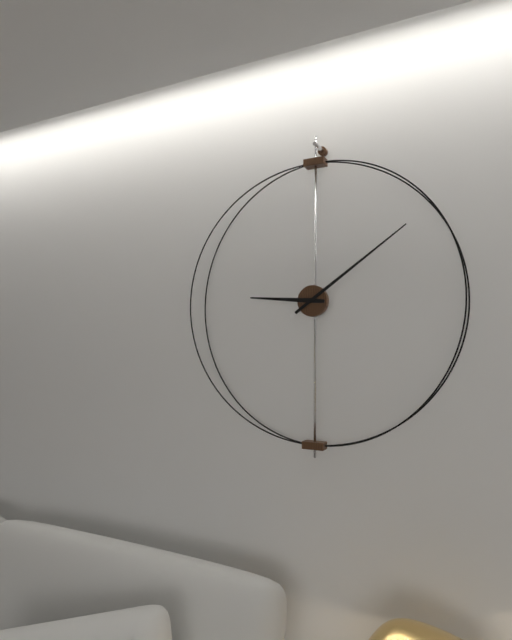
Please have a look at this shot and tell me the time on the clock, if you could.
9:09
